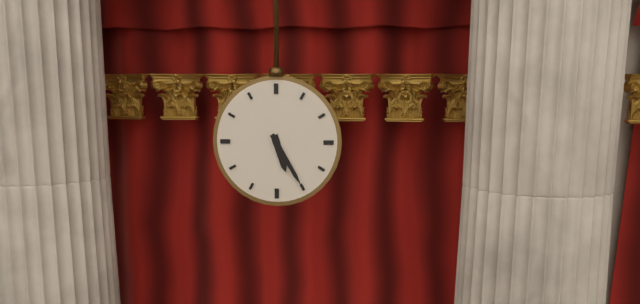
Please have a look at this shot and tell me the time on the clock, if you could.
5:25
